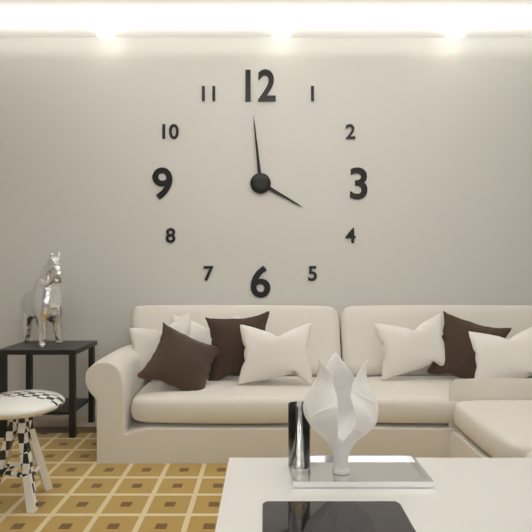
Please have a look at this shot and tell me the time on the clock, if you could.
3:59
